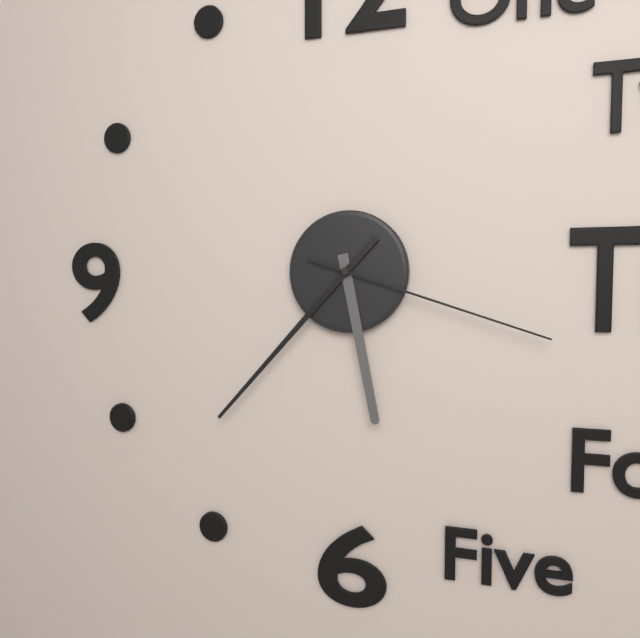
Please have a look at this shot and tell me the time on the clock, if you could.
5:37:18
